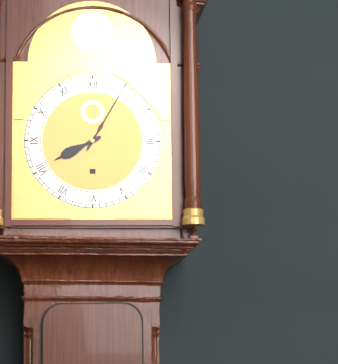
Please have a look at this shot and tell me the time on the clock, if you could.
8:05
